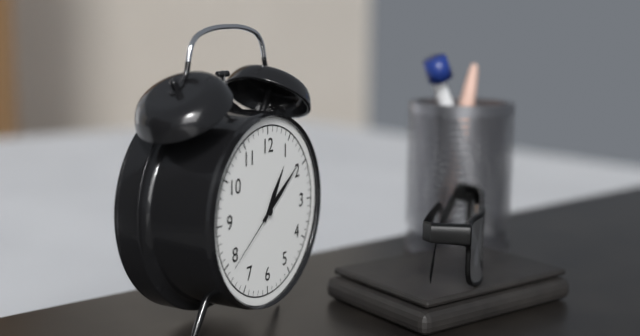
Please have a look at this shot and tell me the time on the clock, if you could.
1:09:39
